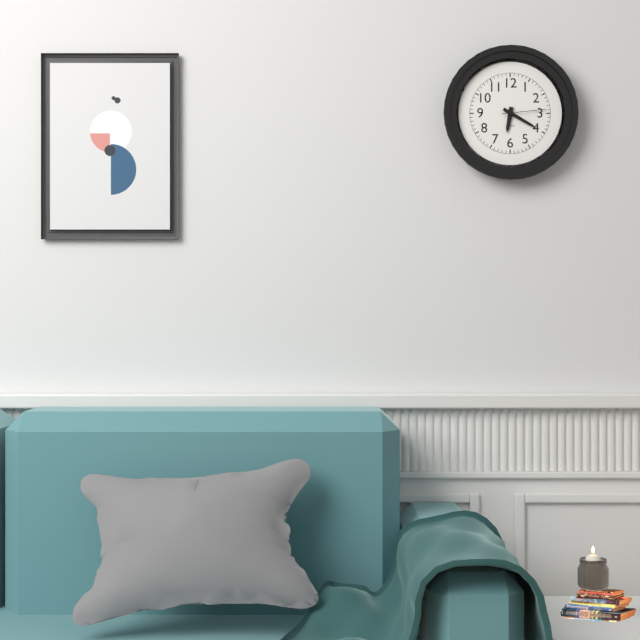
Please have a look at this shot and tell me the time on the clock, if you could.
6:20
